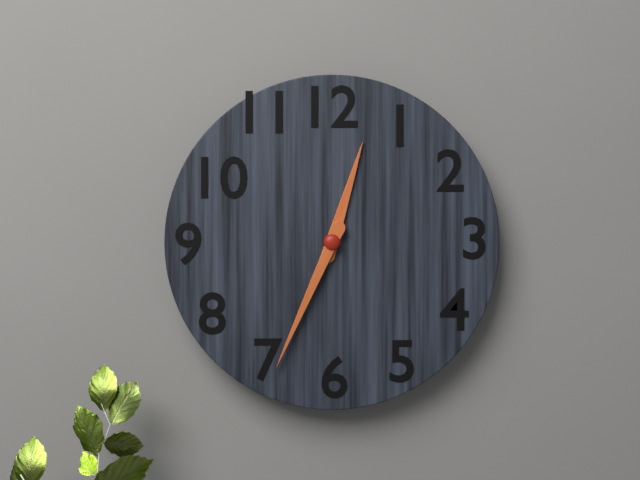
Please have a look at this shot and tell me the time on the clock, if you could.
12:34
